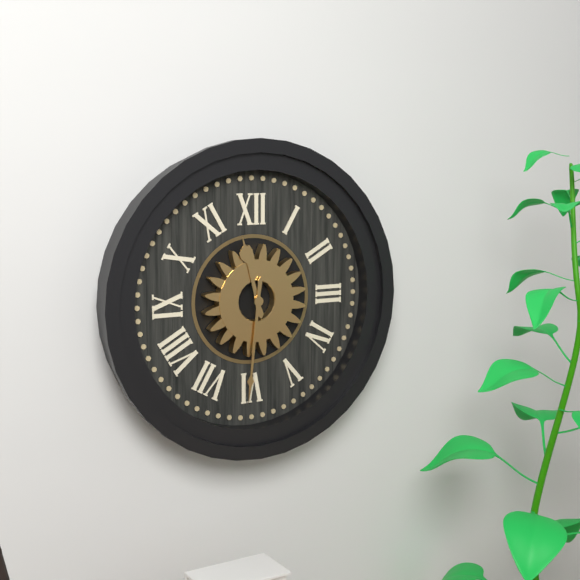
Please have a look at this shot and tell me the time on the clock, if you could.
11:31
